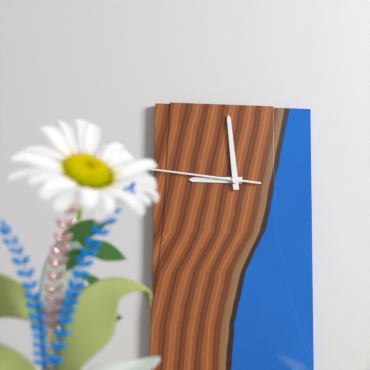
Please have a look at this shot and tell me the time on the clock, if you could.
8:59:46
